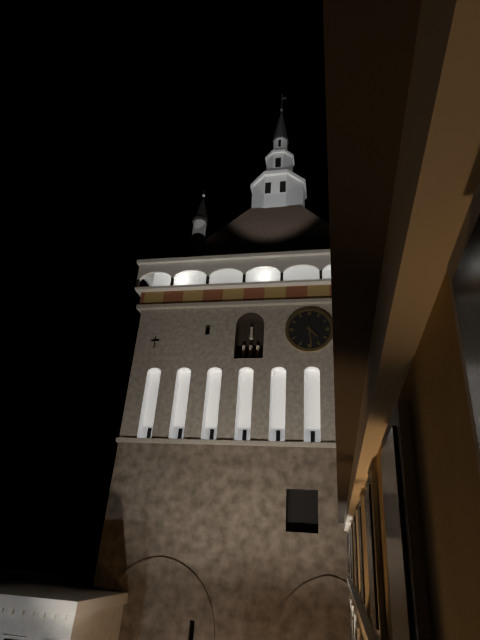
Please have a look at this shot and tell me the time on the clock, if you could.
4:29
